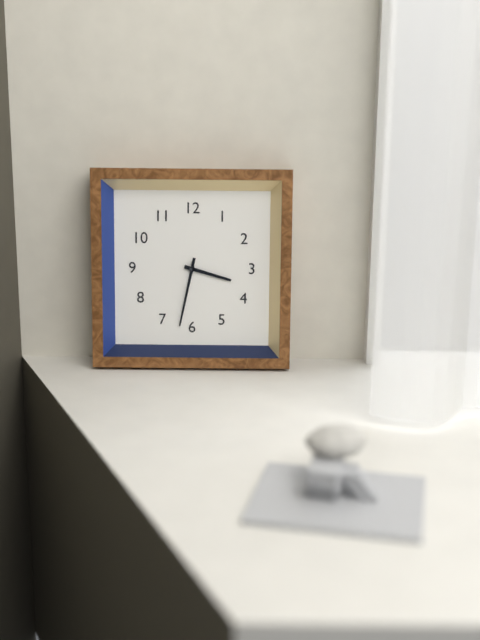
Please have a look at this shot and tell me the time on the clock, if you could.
3:32
